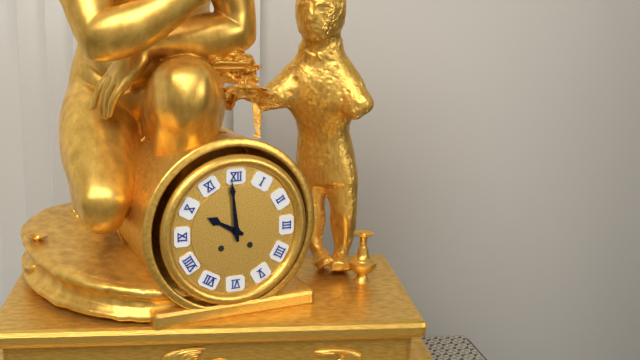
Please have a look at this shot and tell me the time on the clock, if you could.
9:59
